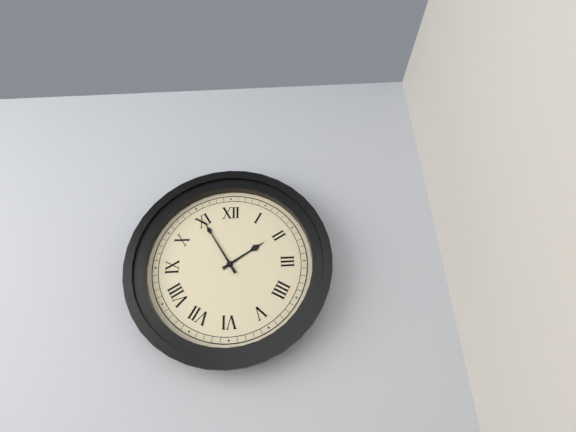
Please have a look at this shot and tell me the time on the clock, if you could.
1:55
